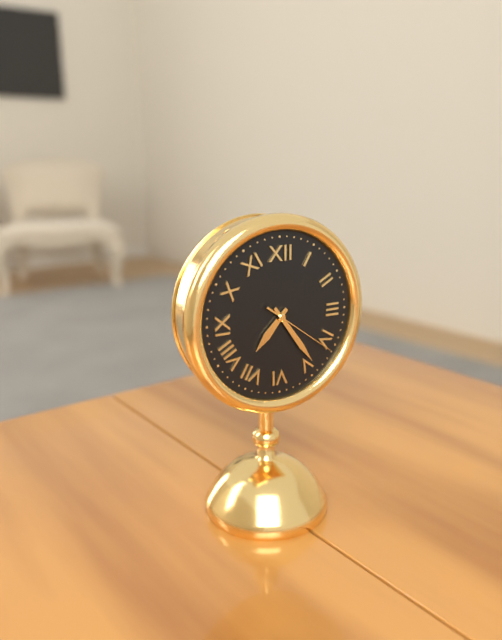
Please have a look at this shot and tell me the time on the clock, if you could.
7:24:21
